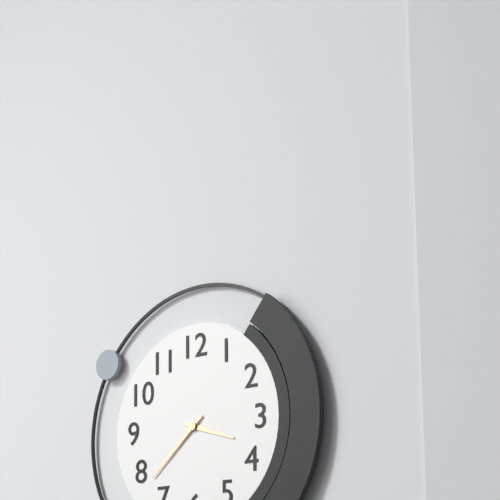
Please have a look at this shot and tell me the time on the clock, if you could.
3:38
